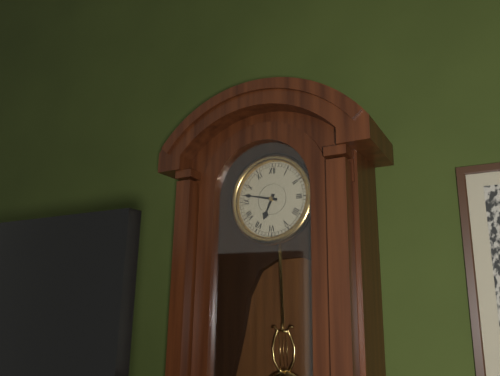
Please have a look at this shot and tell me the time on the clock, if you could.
6:47
